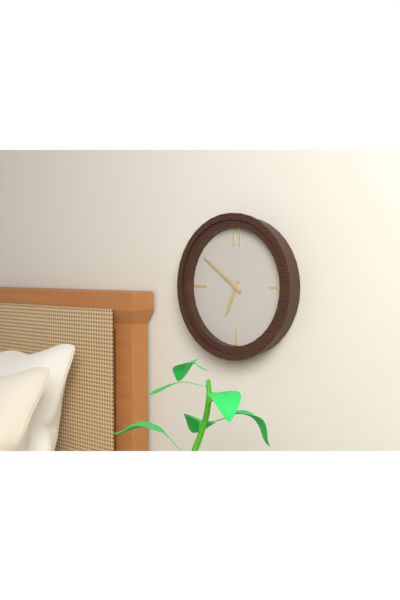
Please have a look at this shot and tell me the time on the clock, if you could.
6:51
